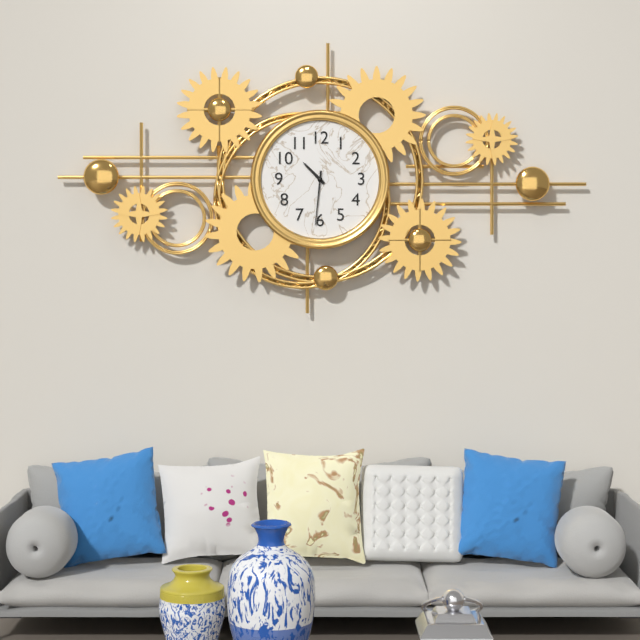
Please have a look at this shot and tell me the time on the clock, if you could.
10:31
